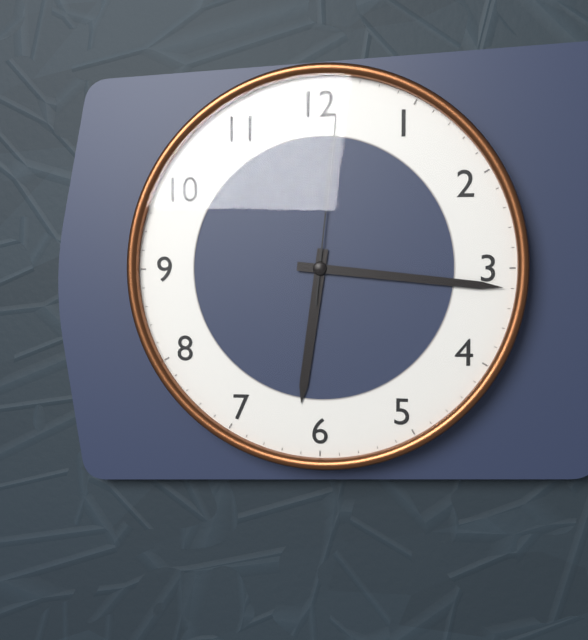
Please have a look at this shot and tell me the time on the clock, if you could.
6:16:01
